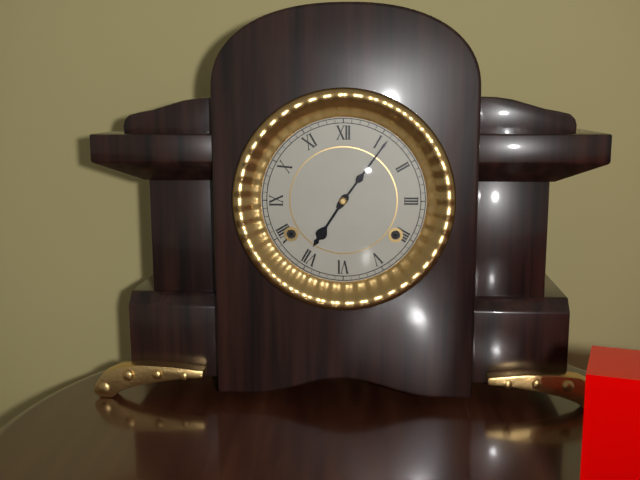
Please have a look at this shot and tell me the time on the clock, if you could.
7:06
